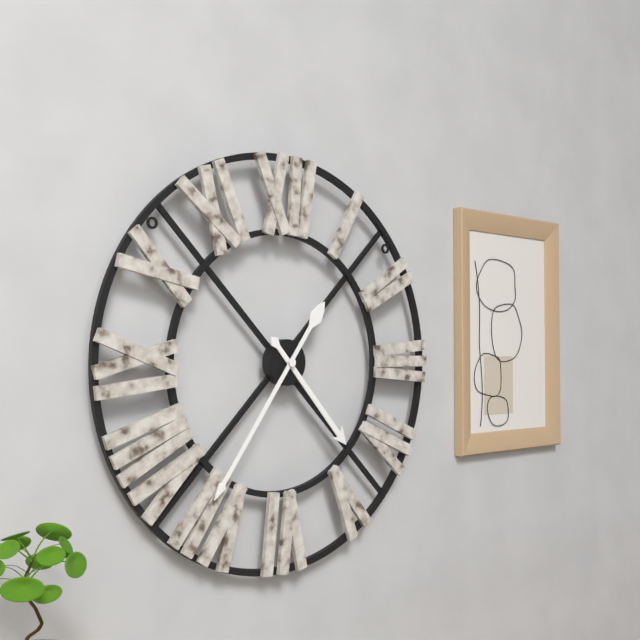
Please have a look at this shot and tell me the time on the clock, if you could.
4:36
